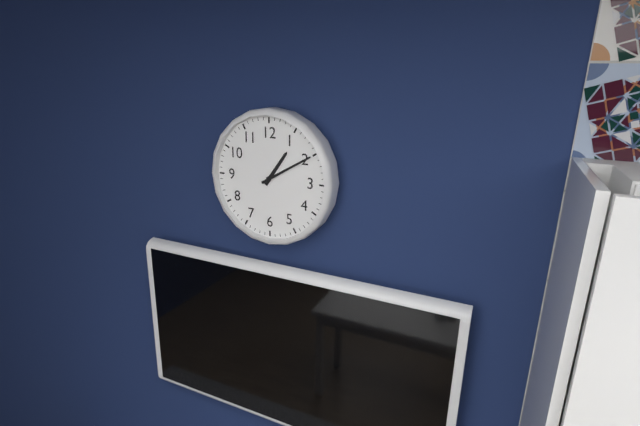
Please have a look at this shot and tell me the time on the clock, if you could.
1:10
